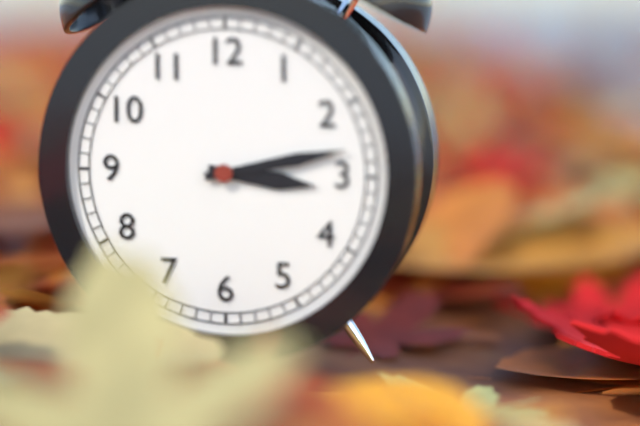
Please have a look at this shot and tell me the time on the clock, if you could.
3:13
